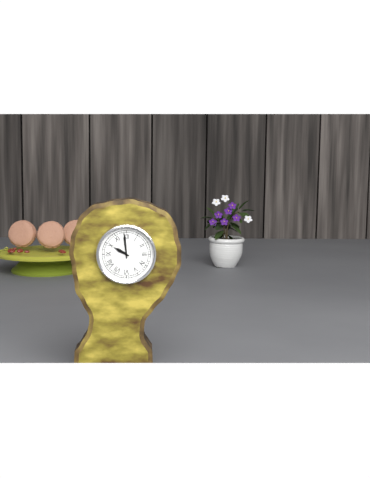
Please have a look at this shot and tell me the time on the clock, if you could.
9:59
